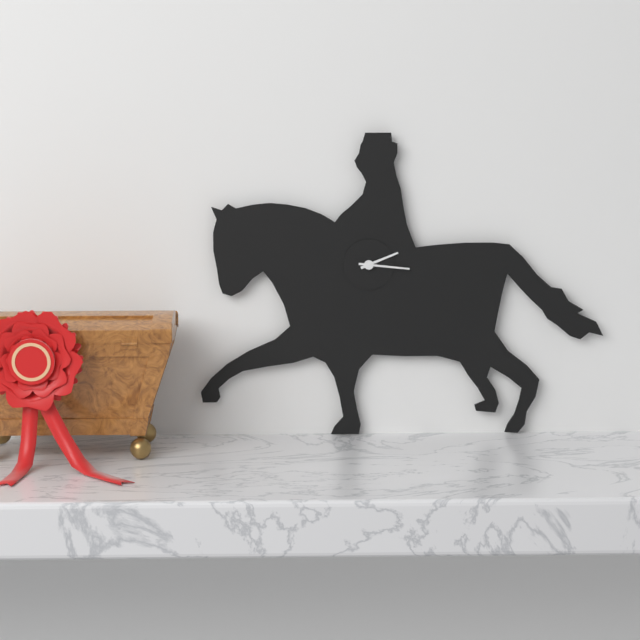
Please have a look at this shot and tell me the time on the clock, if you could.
2:16
